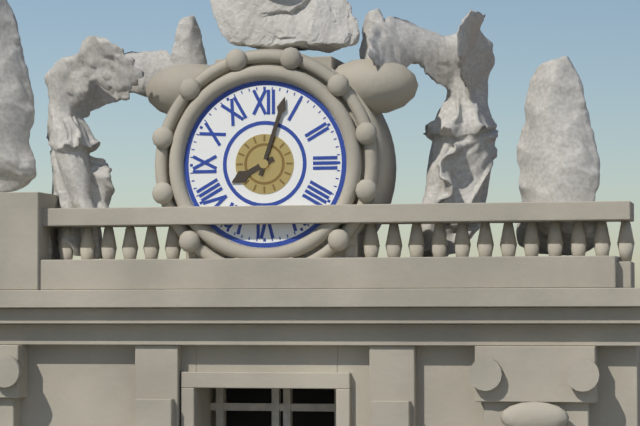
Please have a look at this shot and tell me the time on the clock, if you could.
8:03
